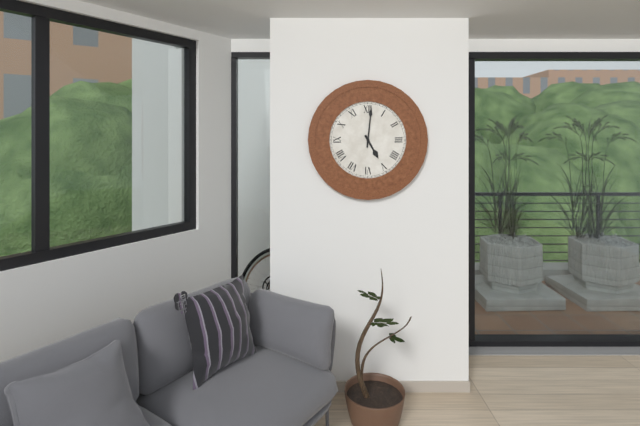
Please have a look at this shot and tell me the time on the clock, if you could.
5:01
